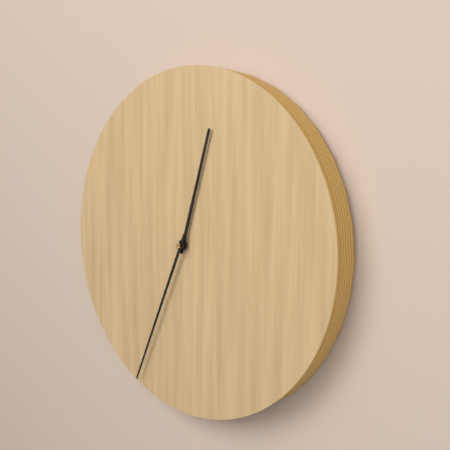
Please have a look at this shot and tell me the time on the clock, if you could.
12:34
